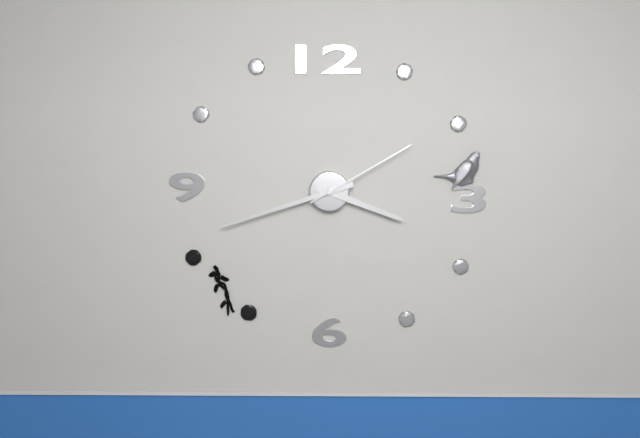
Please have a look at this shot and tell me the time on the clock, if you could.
3:42:10
